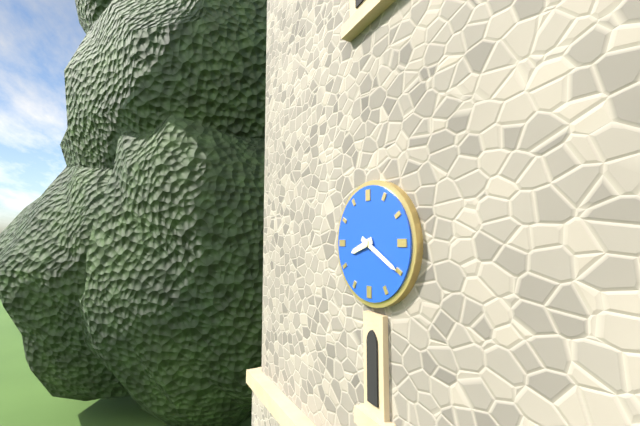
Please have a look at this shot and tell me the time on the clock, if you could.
8:20
